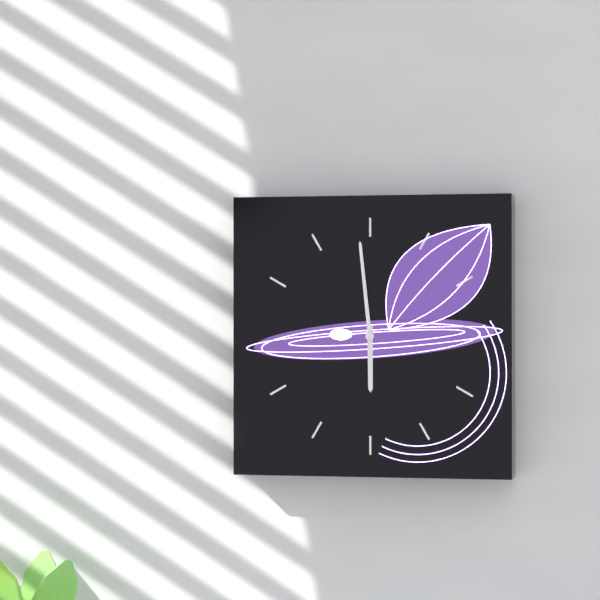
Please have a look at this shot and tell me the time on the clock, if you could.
5:59
